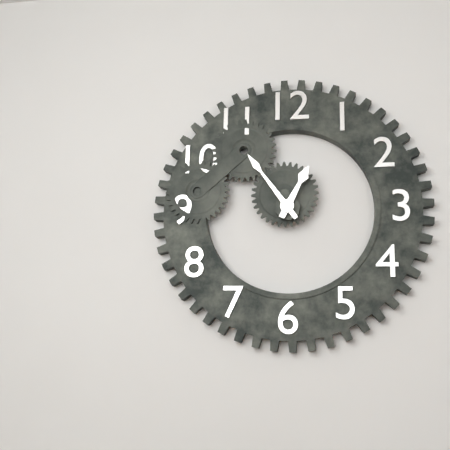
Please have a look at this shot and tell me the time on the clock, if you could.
12:54
